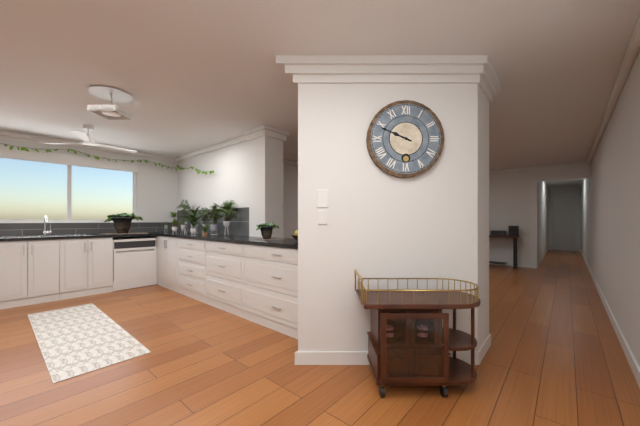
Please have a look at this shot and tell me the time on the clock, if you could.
9:49
